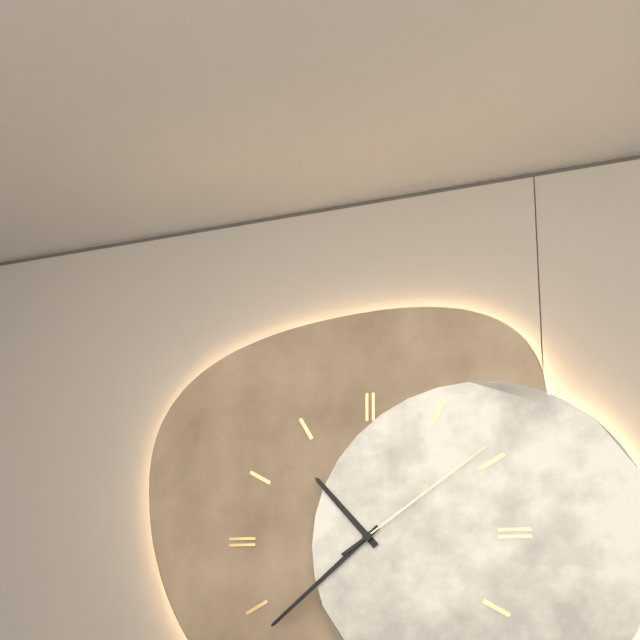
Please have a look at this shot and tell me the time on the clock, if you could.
10:38:09
